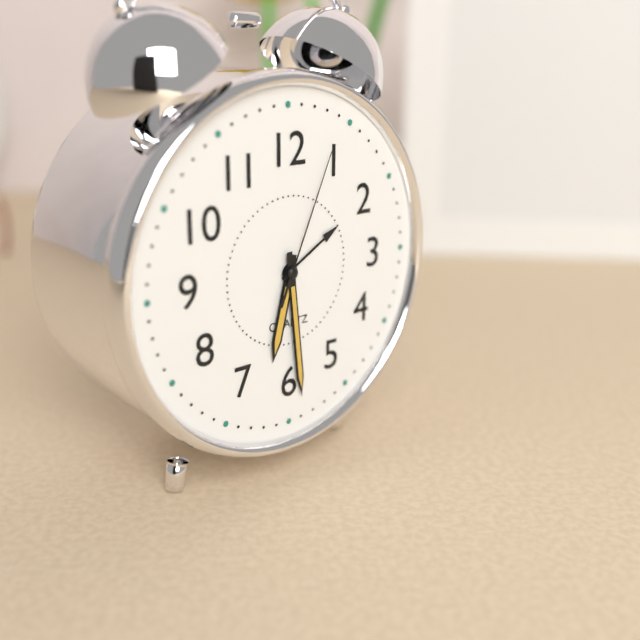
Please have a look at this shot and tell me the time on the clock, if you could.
6:29:04
